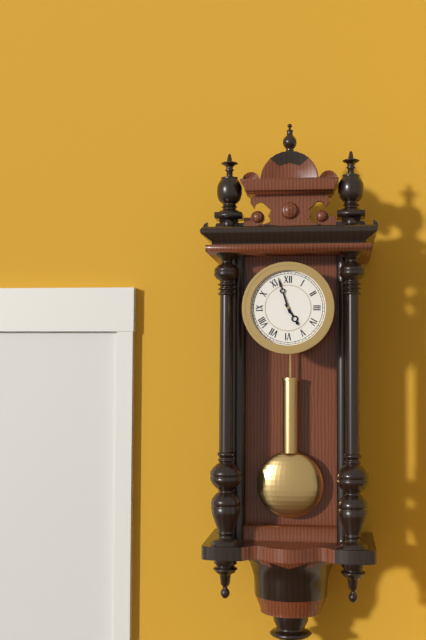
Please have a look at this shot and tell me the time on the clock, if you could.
4:57
